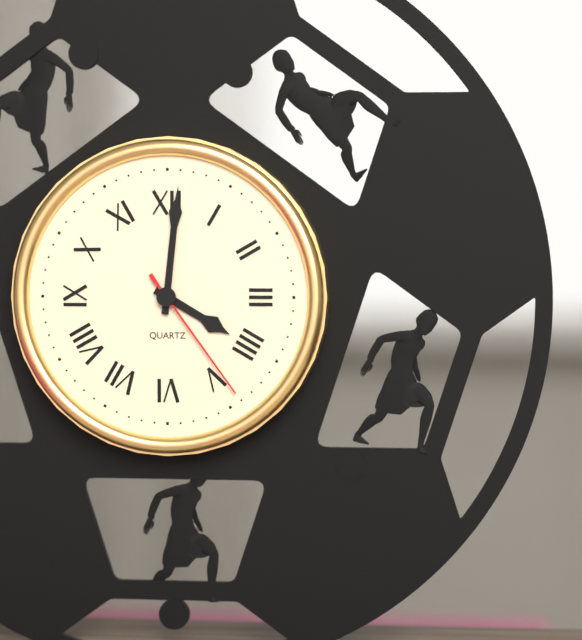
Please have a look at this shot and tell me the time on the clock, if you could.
4:01:24
